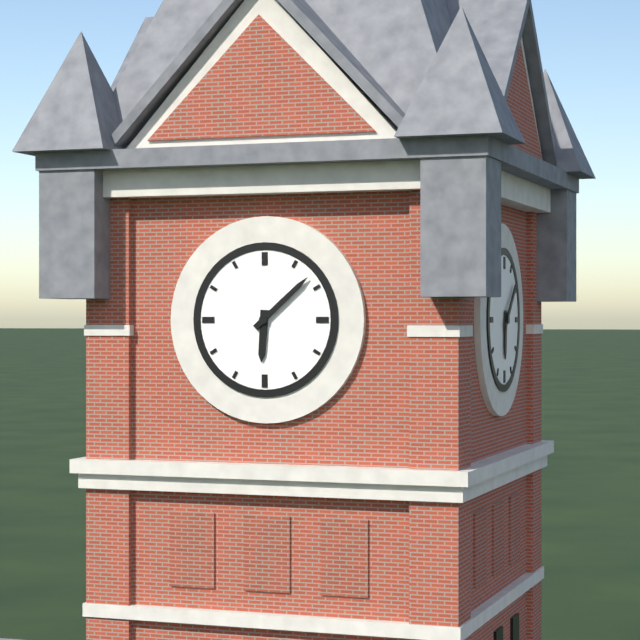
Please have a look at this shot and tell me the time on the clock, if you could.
6:08
